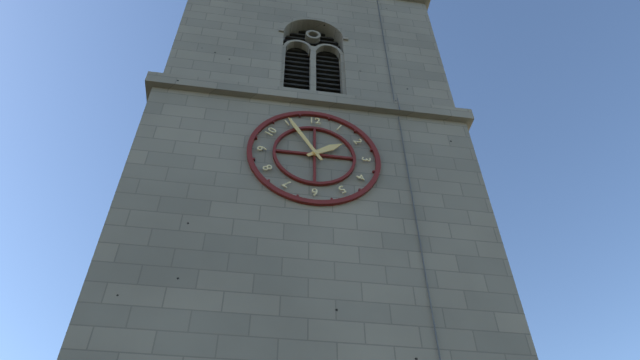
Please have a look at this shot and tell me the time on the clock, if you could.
1:55
